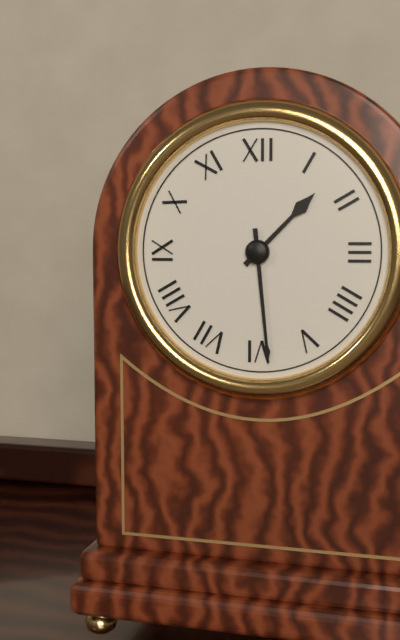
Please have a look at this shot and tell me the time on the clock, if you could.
1:29
